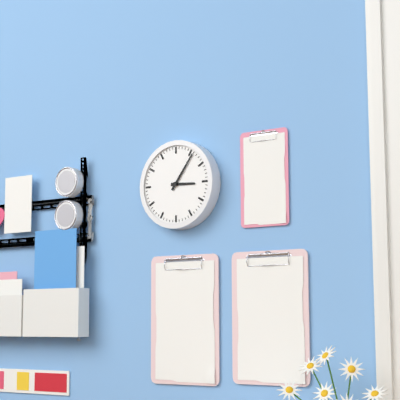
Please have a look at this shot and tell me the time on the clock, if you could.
3:06
